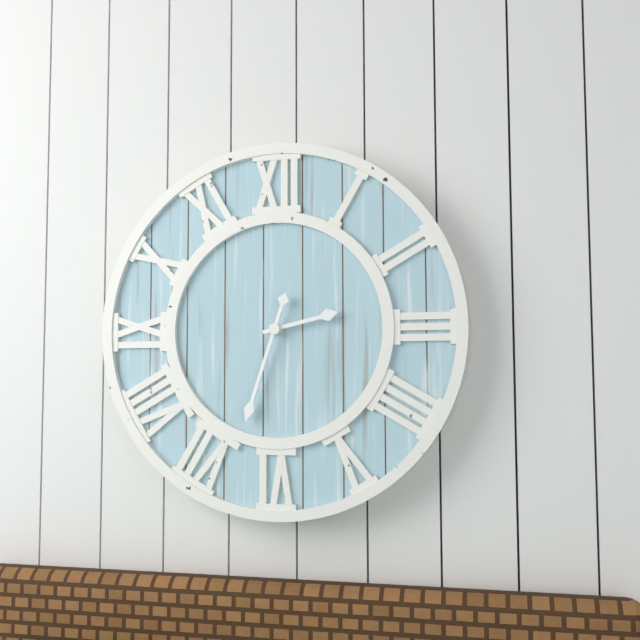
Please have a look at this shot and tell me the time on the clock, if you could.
2:33
